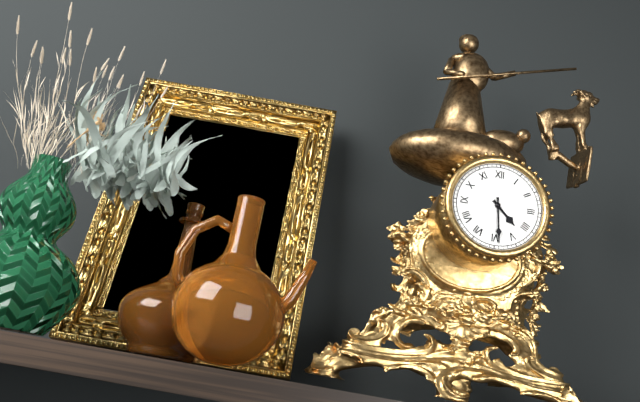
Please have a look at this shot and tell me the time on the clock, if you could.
4:29
